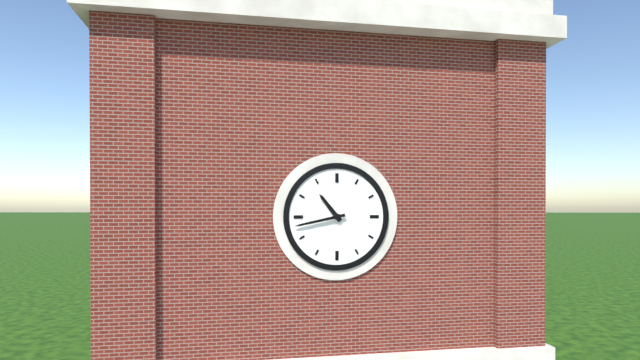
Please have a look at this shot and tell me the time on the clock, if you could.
10:43
